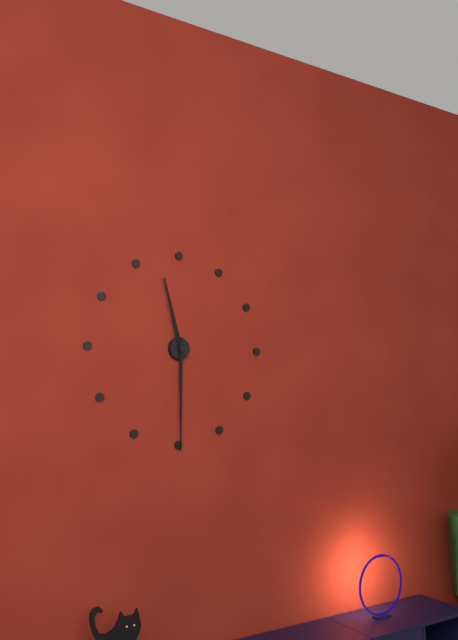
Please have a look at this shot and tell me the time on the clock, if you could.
11:30
